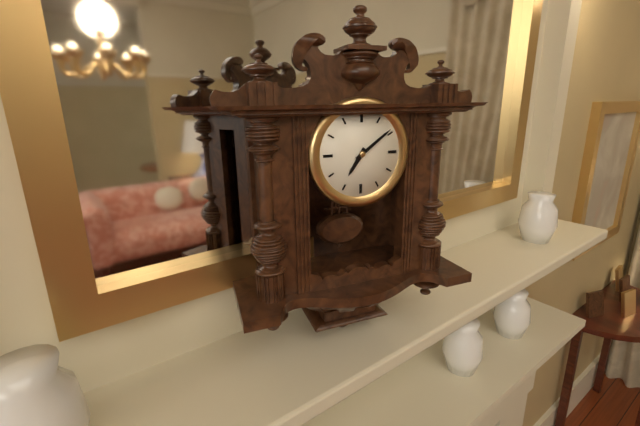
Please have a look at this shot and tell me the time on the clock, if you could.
7:09
